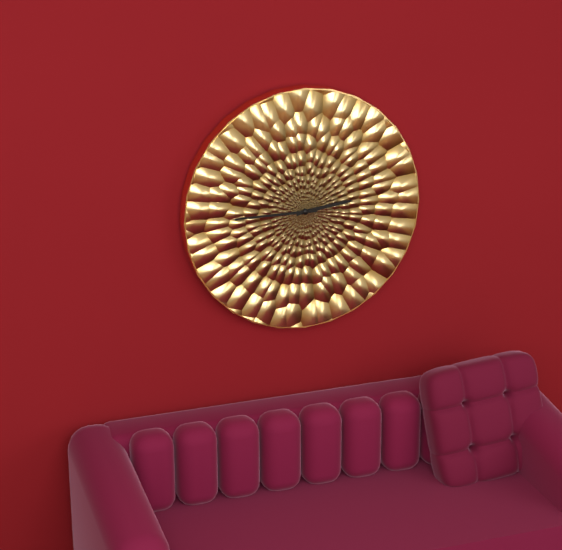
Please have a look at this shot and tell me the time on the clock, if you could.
2:45
